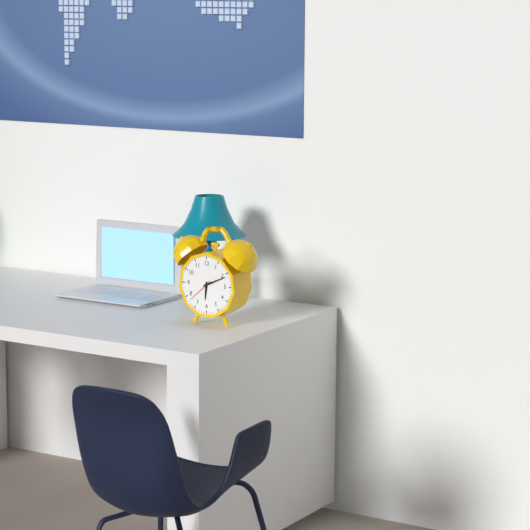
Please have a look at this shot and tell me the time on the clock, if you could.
6:11
